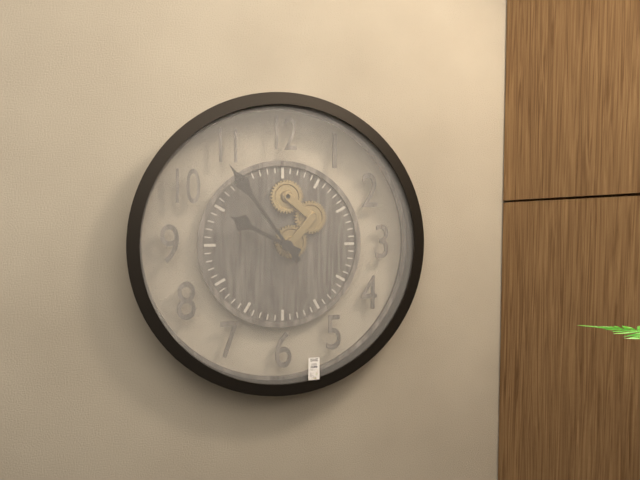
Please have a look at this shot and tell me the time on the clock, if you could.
9:54
